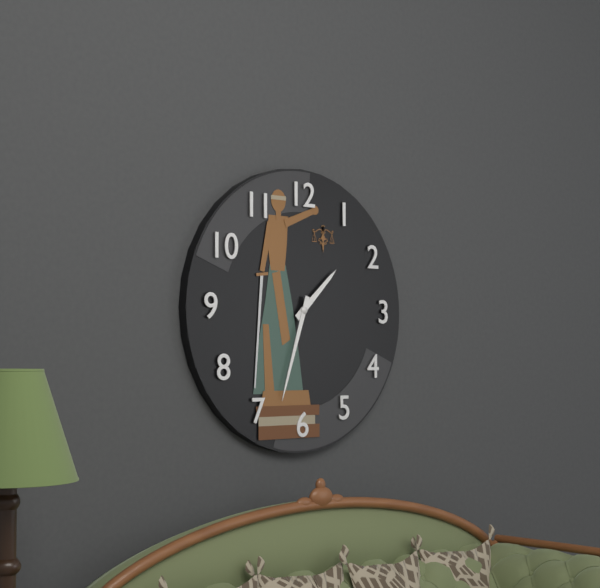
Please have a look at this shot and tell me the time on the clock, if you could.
1:33
